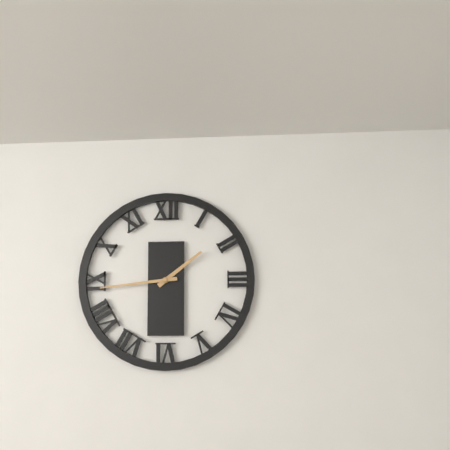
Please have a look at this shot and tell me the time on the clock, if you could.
1:44
